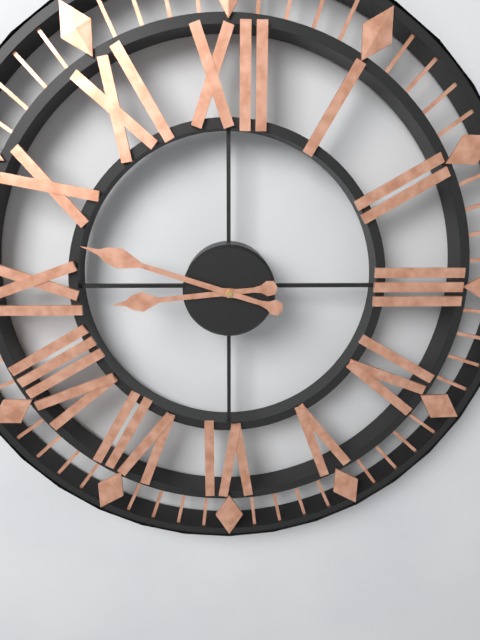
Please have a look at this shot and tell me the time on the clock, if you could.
8:48
